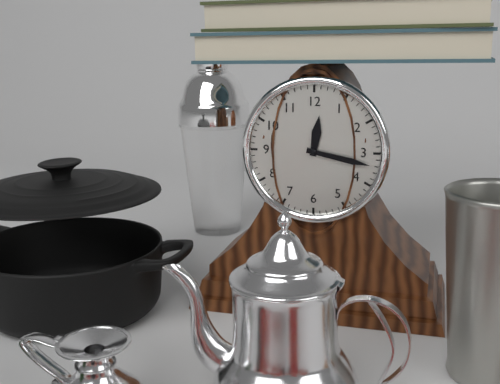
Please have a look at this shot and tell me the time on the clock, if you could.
12:17
